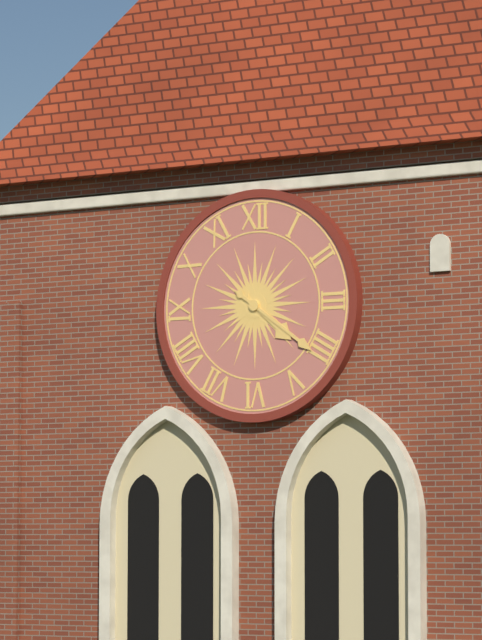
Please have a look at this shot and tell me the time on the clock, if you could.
4:21
